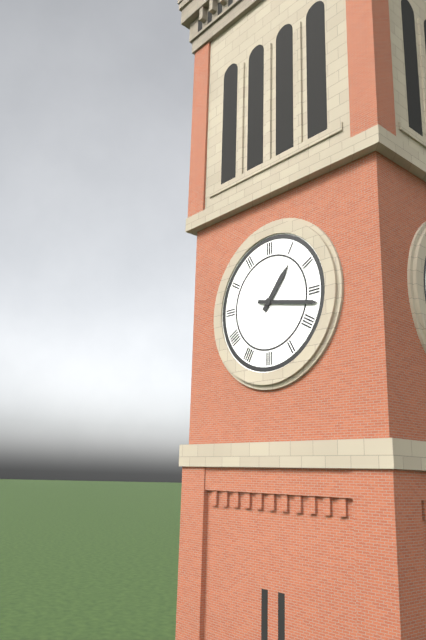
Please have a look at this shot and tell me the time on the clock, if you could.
1:17
